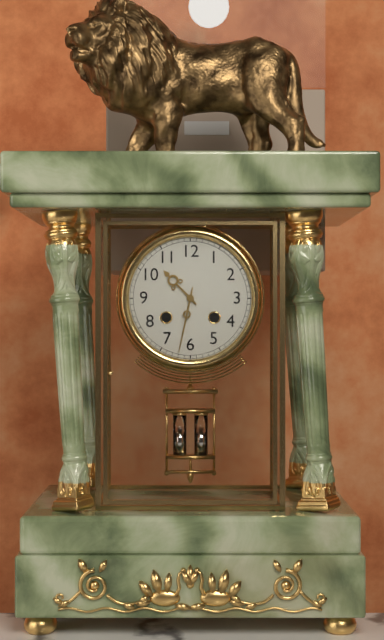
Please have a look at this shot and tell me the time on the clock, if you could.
10:32
